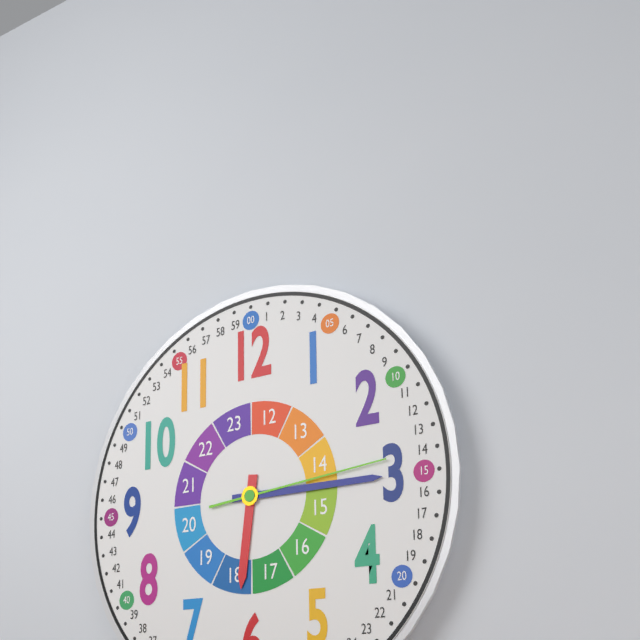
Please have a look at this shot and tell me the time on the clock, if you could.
6:15:14
